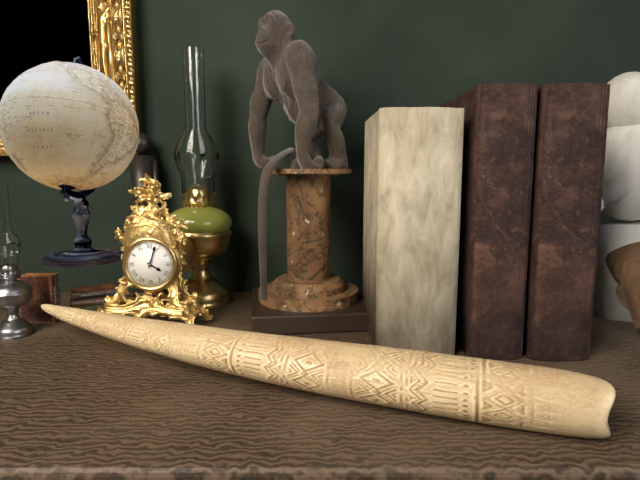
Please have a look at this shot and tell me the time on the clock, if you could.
4:03
